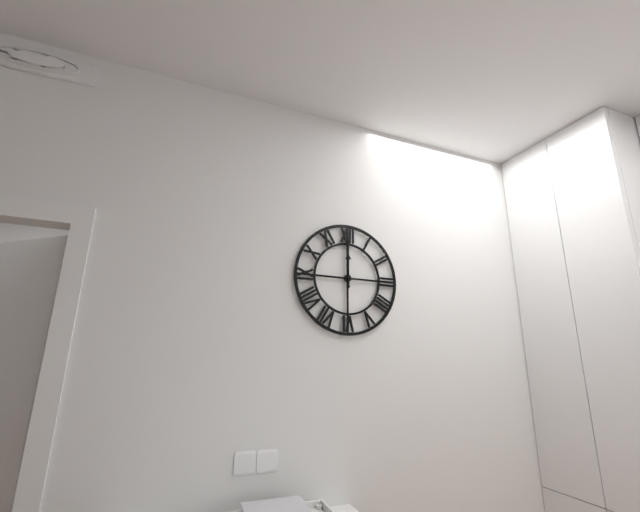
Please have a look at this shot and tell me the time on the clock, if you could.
12:00
